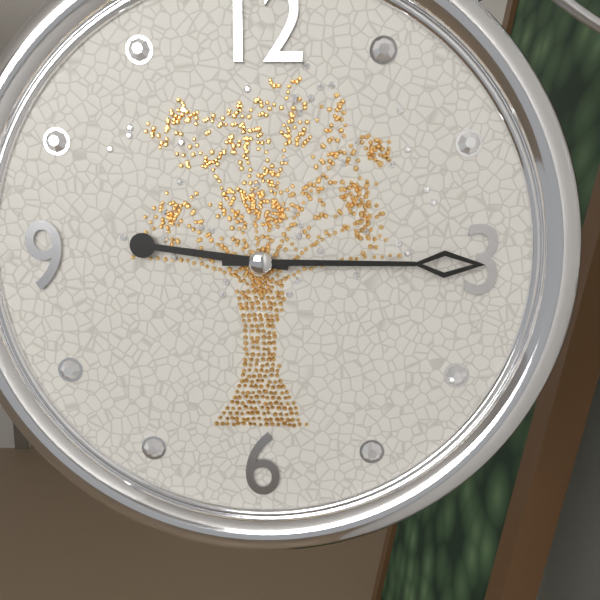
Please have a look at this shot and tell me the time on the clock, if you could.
9:15
